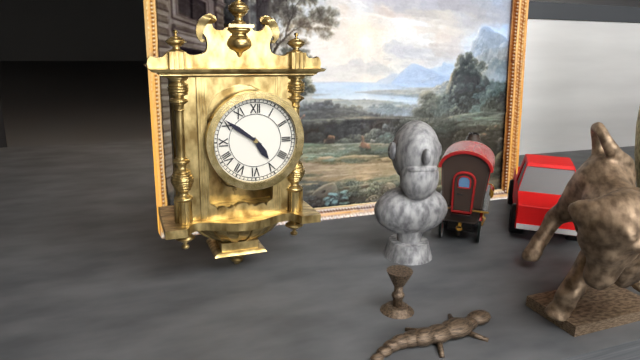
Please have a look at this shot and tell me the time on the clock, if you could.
4:51
